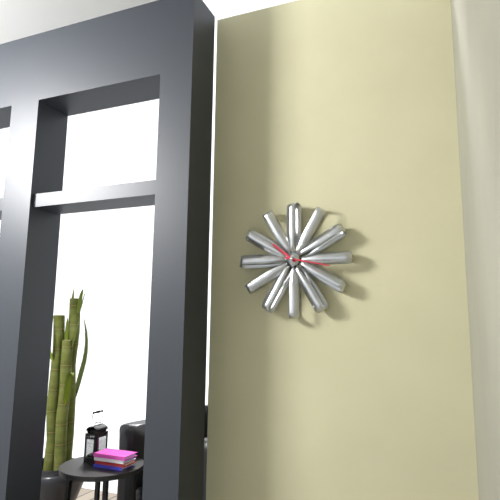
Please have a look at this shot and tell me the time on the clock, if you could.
10:17
